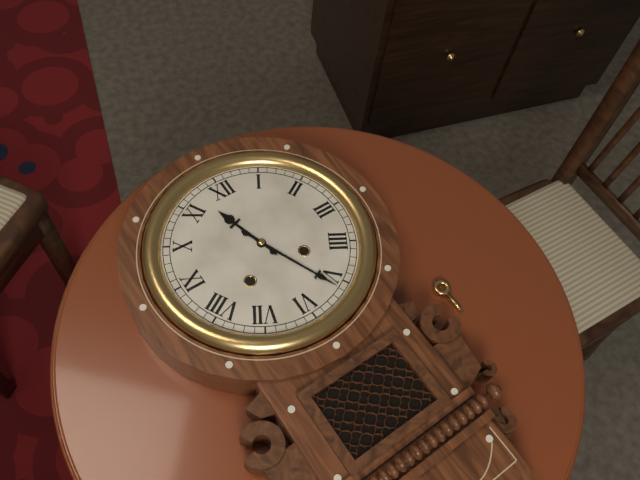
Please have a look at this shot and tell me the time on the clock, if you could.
11:26
